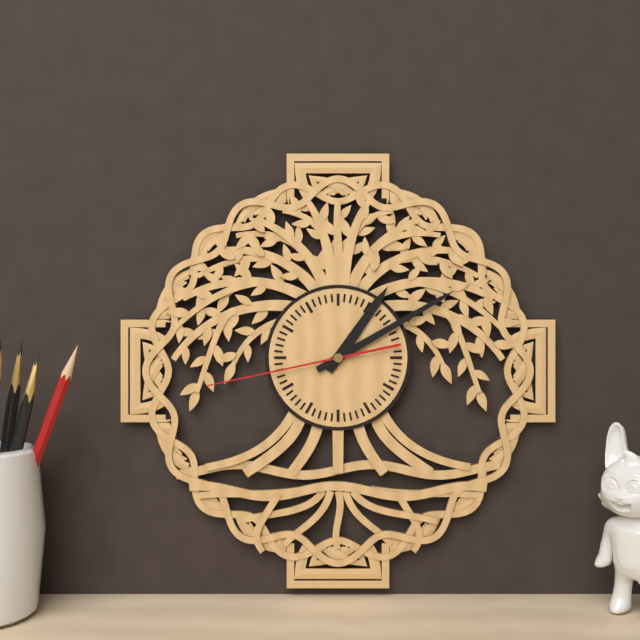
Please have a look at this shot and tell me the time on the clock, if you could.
1:10:43
